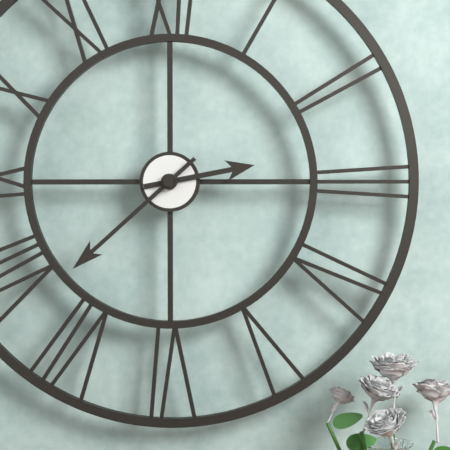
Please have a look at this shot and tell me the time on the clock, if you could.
2:38
